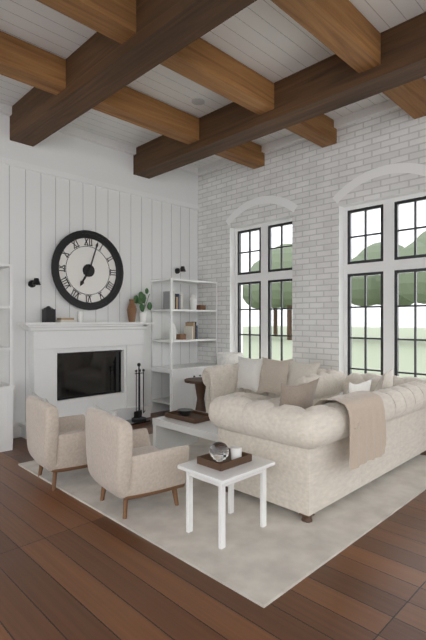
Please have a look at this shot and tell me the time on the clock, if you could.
7:03
